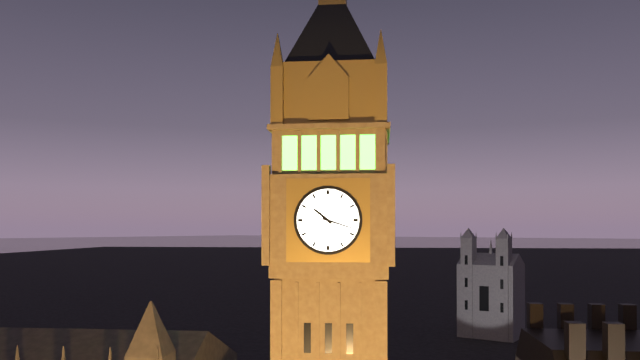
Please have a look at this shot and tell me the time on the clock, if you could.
10:18
